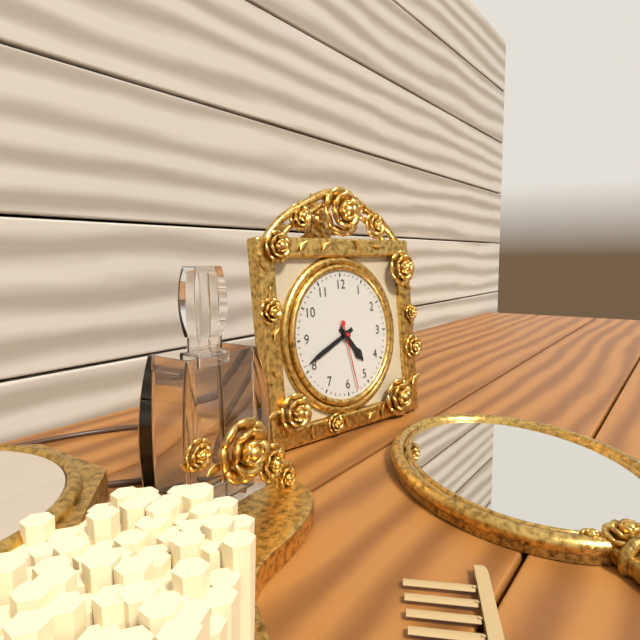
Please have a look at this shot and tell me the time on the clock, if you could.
4:41:28
